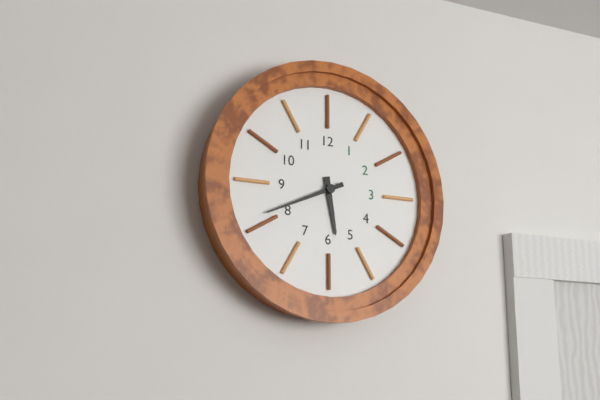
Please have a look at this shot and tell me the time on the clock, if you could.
5:41
